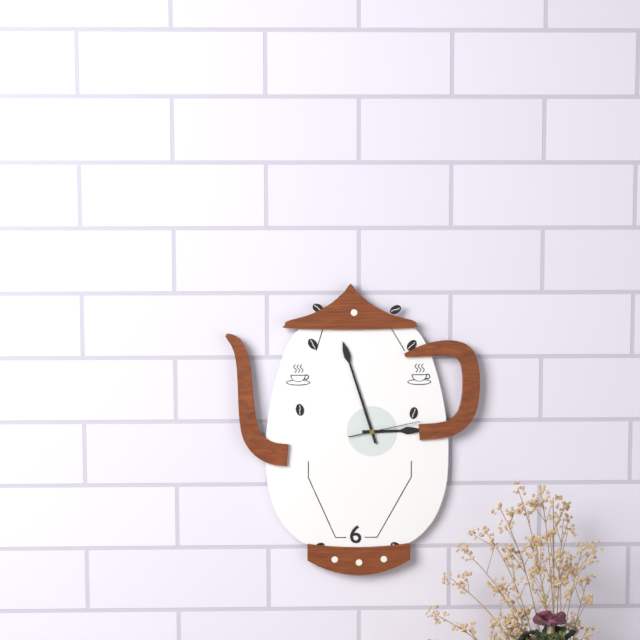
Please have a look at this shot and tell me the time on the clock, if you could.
2:57:13
